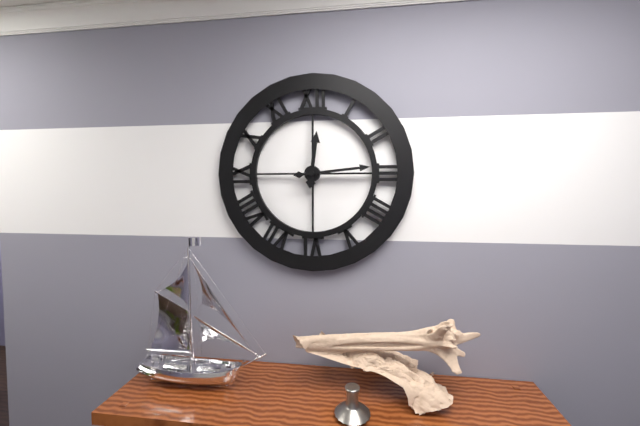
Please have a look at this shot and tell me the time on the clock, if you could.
12:14
